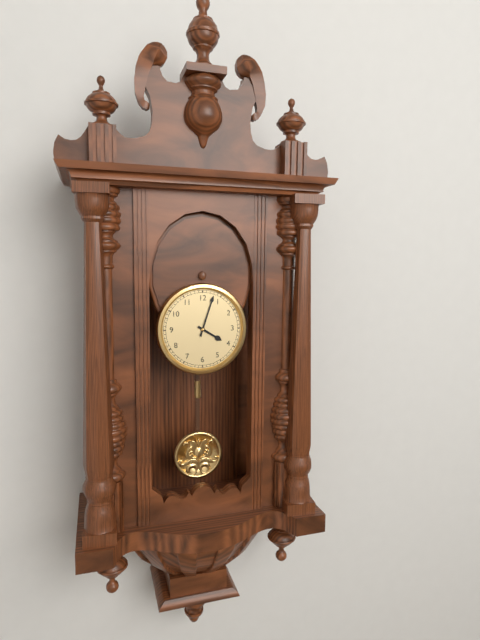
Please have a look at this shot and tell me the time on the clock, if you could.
4:03
